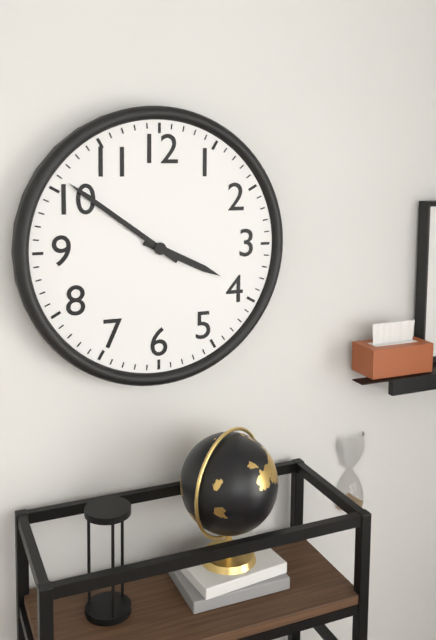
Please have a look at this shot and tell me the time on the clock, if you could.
3:51
